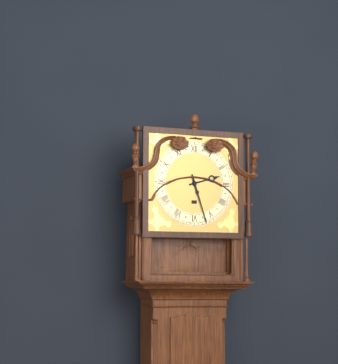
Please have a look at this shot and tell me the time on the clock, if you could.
2:27
